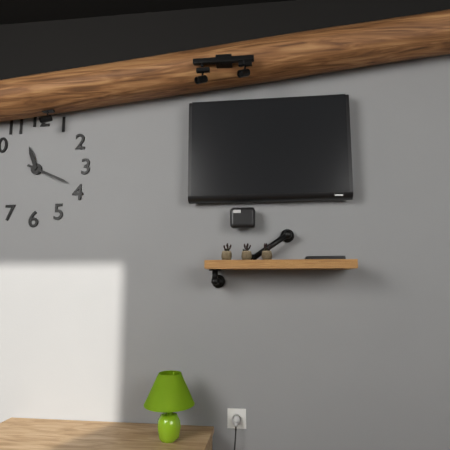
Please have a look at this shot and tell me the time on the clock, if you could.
11:19
